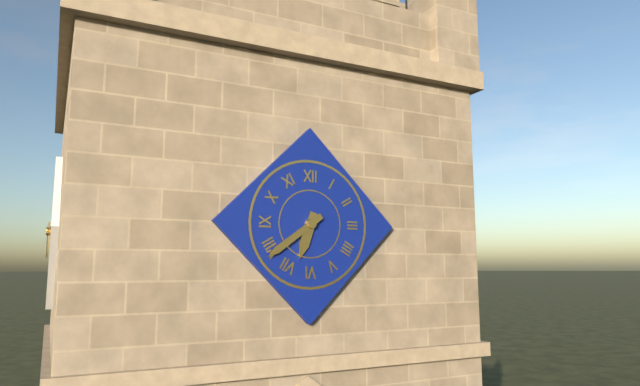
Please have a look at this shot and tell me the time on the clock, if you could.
6:39
